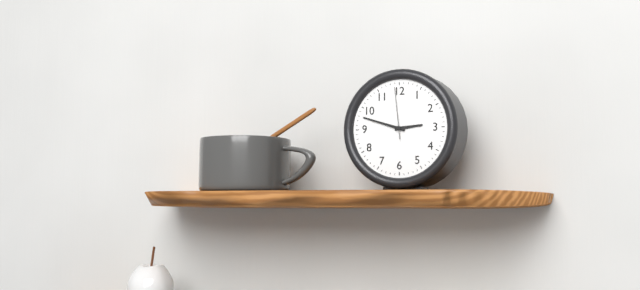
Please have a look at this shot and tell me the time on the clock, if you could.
2:48:59
